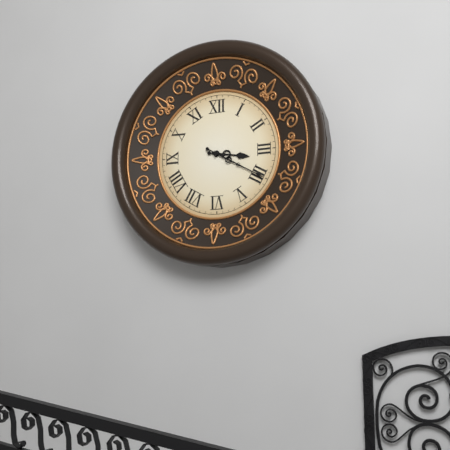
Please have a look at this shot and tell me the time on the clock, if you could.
3:20
